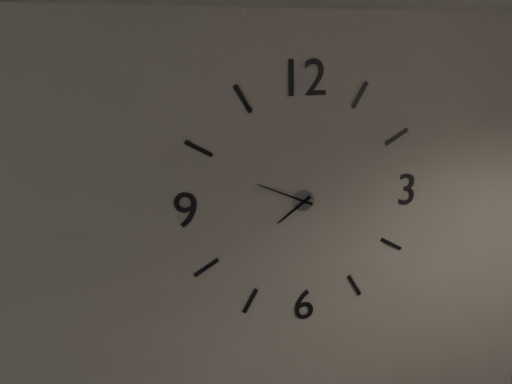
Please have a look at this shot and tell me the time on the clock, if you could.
7:49
